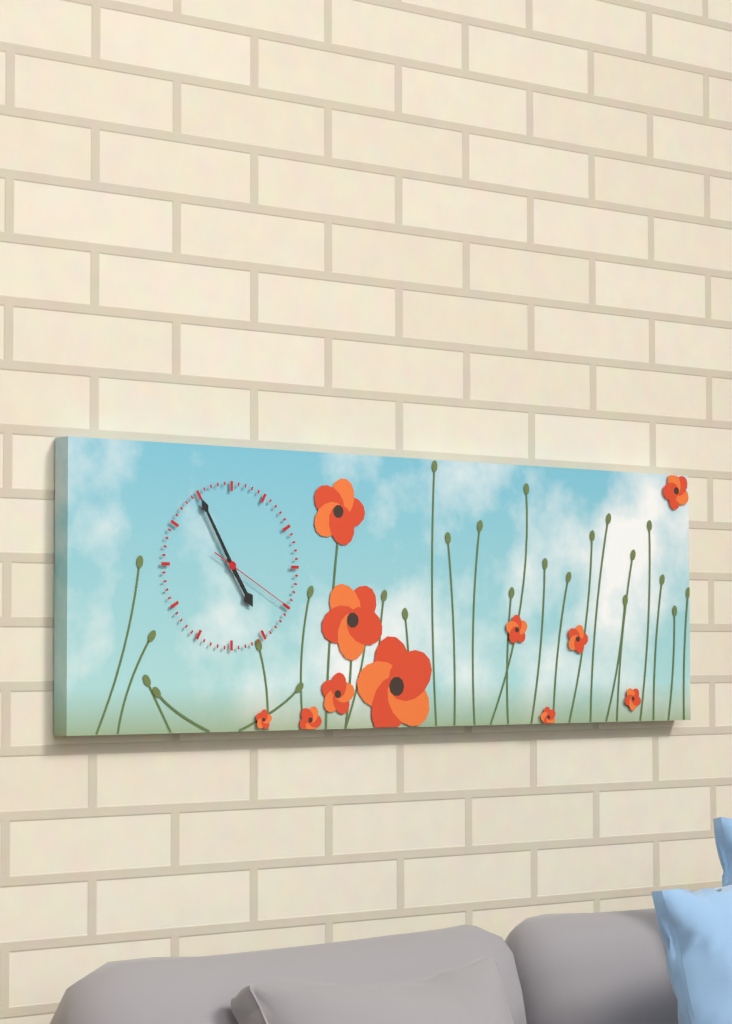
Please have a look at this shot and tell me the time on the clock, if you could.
4:55:20
